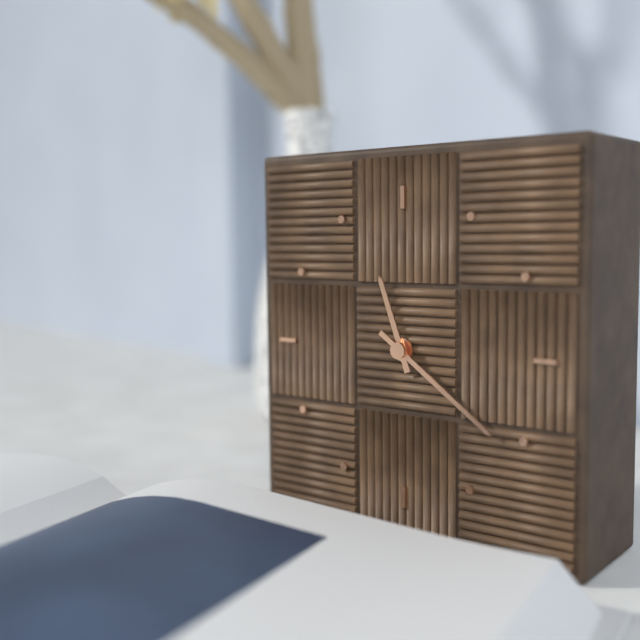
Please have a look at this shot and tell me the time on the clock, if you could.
11:21
